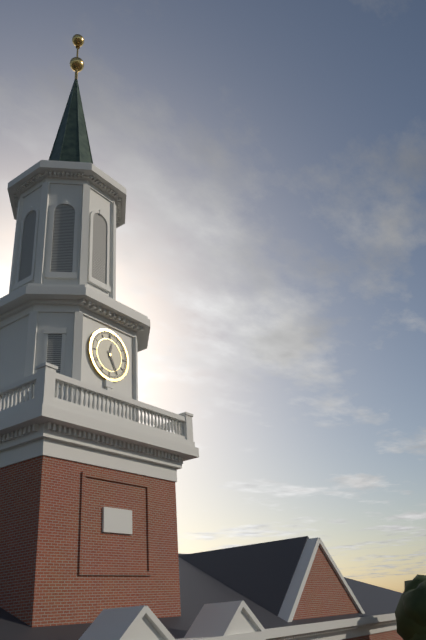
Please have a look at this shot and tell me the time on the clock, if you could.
12:25
